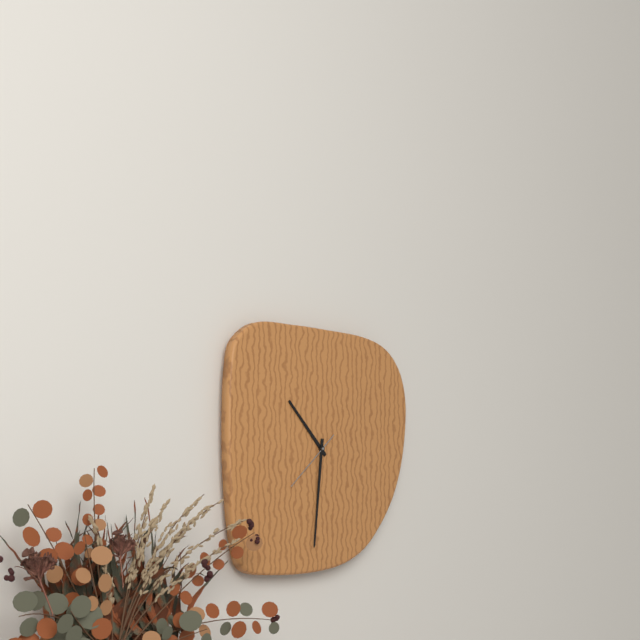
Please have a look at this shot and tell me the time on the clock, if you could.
10:31:38
